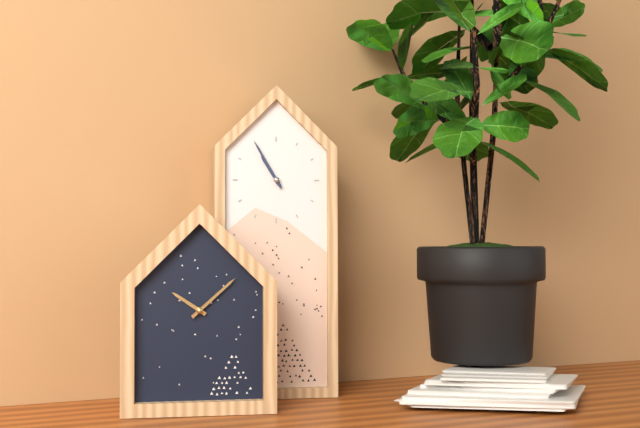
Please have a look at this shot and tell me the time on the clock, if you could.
10:55
